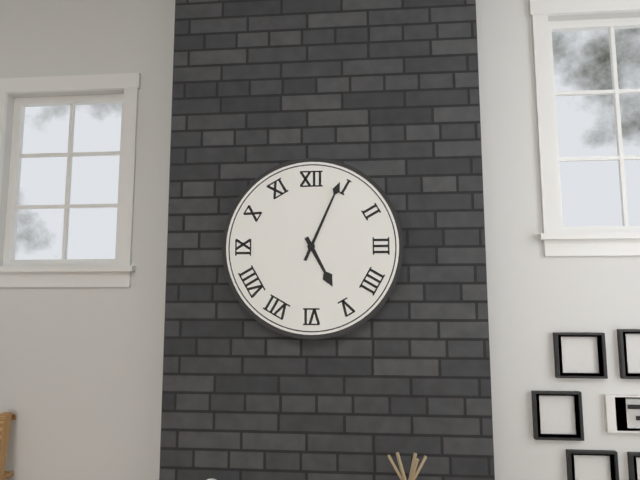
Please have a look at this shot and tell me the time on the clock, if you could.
5:04
